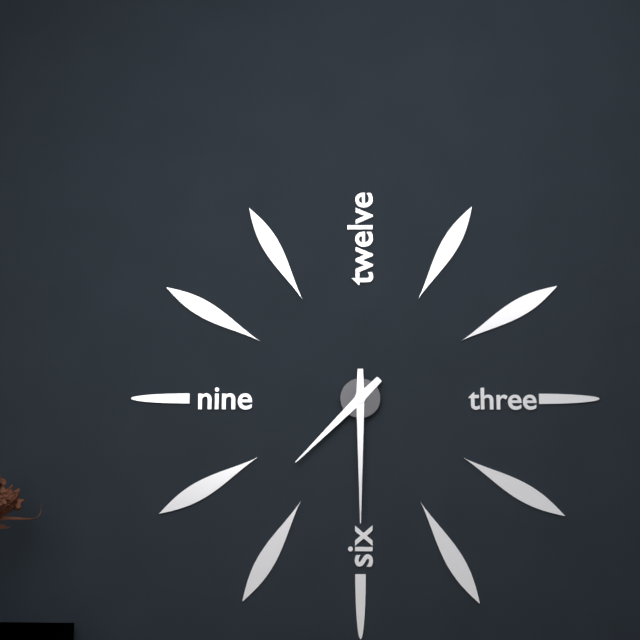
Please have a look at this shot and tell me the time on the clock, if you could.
7:30
